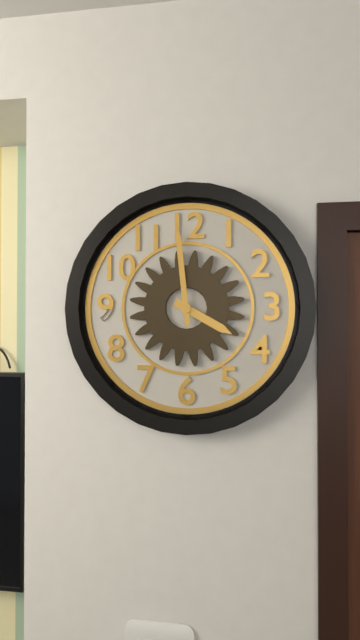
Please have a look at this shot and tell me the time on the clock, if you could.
3:59
